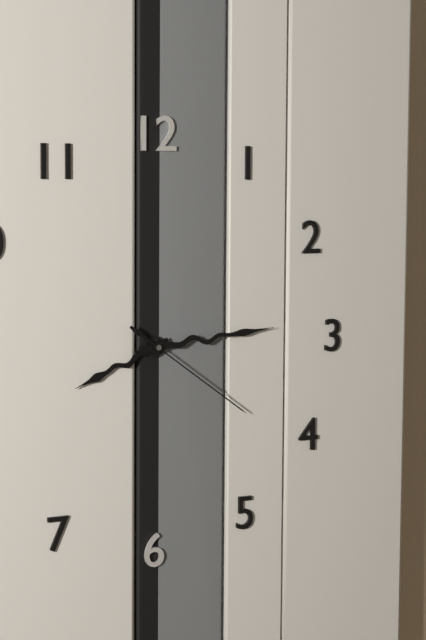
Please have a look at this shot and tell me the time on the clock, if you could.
8:14:21
